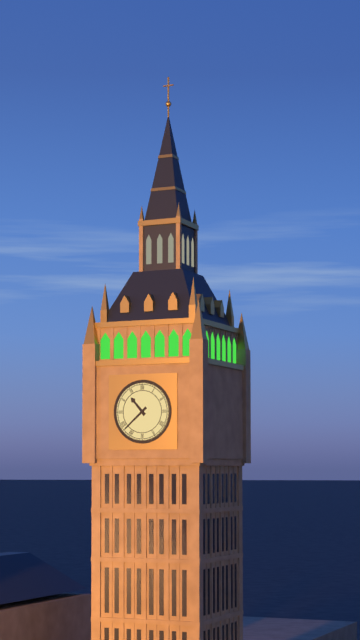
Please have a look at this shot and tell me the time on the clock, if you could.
10:38
